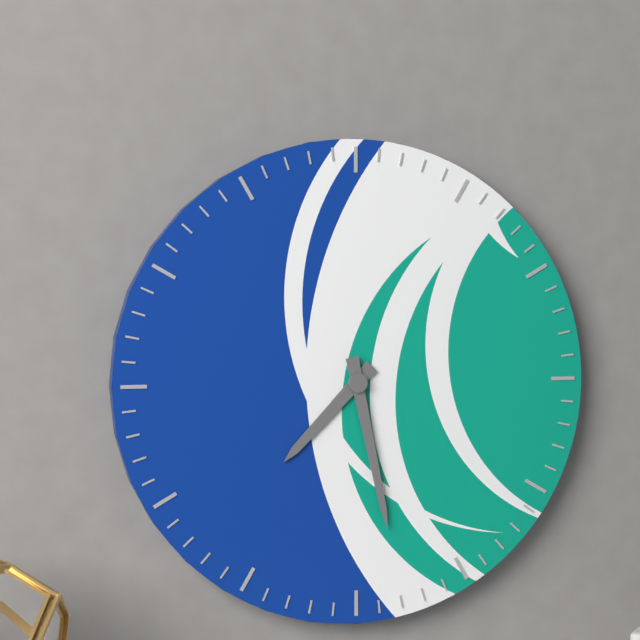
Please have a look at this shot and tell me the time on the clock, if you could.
7:28
